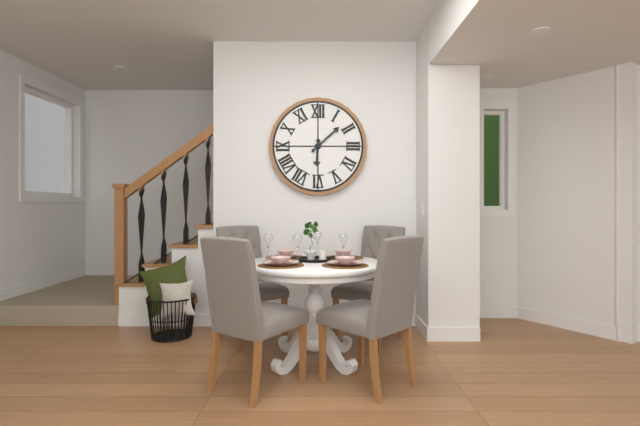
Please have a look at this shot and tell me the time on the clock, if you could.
6:08
